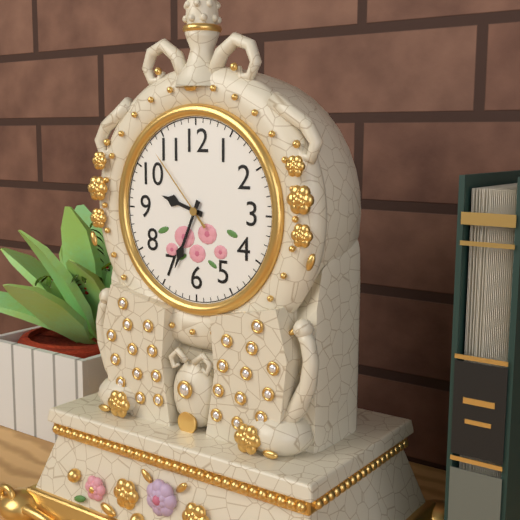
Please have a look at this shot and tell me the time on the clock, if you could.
9:34:53
